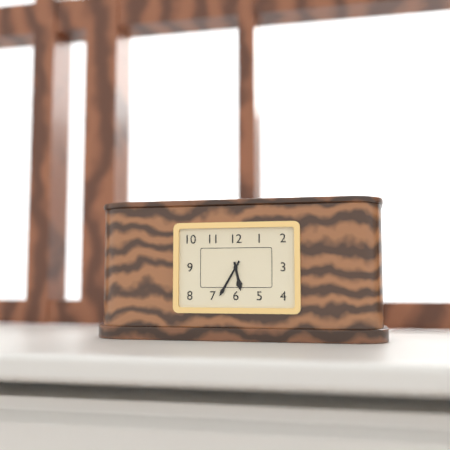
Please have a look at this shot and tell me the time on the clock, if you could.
5:35
